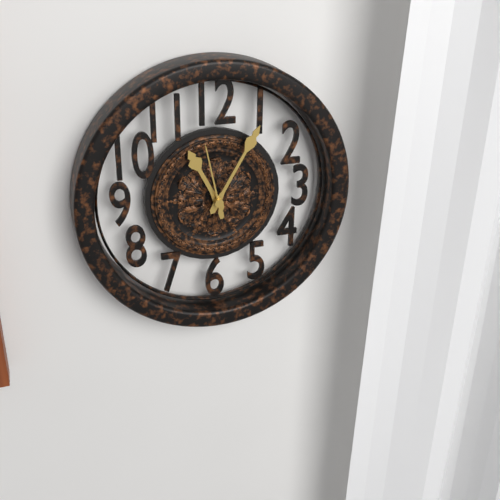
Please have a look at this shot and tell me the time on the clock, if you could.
11:05:58
